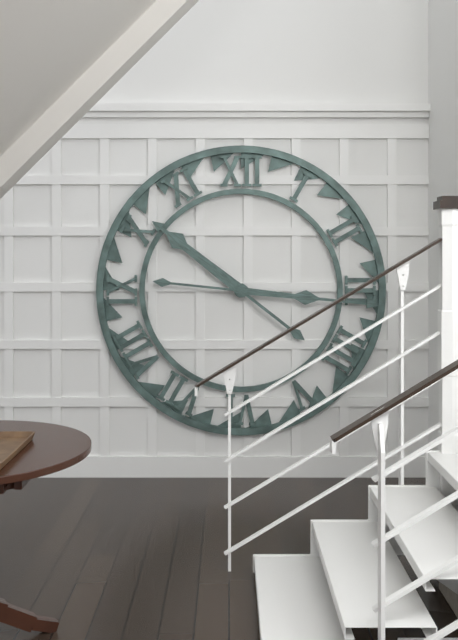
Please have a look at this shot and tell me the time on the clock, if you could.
10:16
